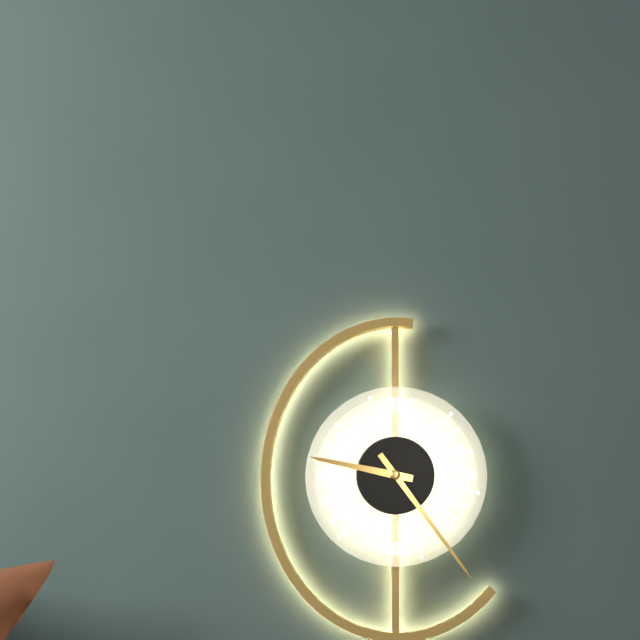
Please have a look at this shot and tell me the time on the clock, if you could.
9:24
